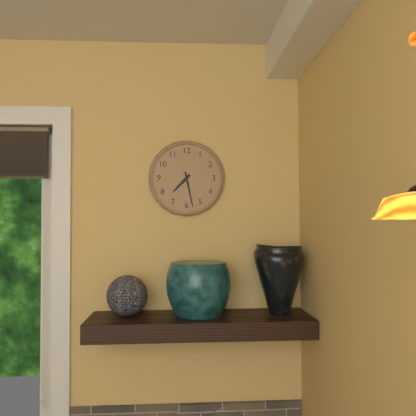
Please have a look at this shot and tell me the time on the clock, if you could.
7:28
